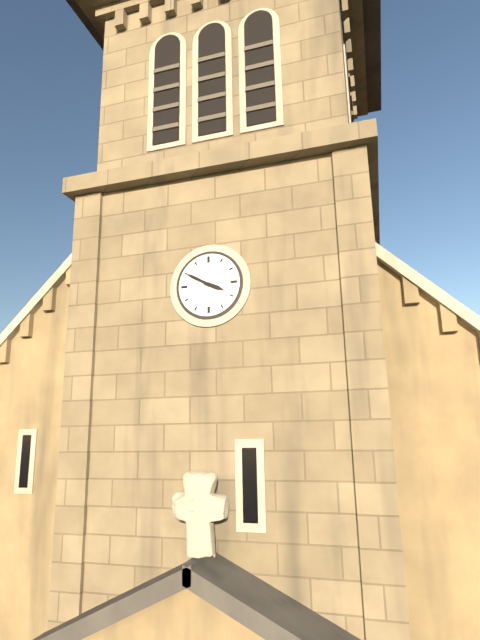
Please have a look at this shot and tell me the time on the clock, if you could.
3:50
